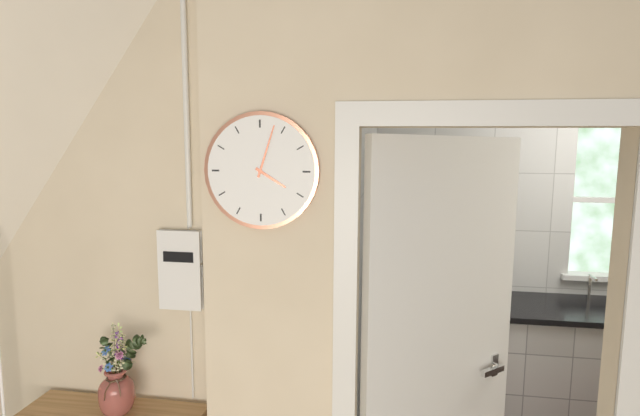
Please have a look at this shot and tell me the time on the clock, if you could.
4:03
